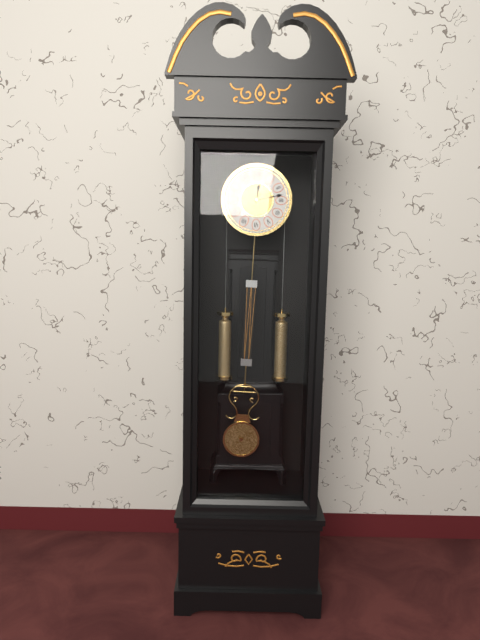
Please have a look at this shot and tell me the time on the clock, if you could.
12:13
